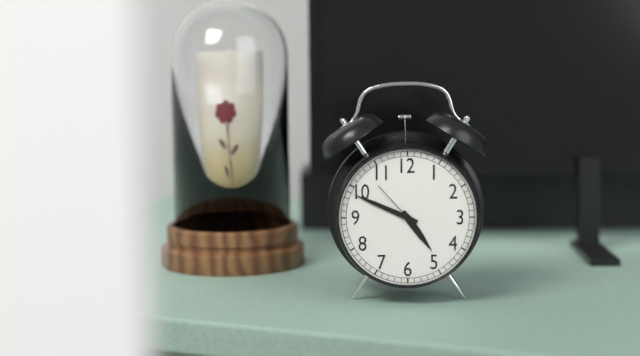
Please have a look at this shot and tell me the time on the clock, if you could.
4:49:53
